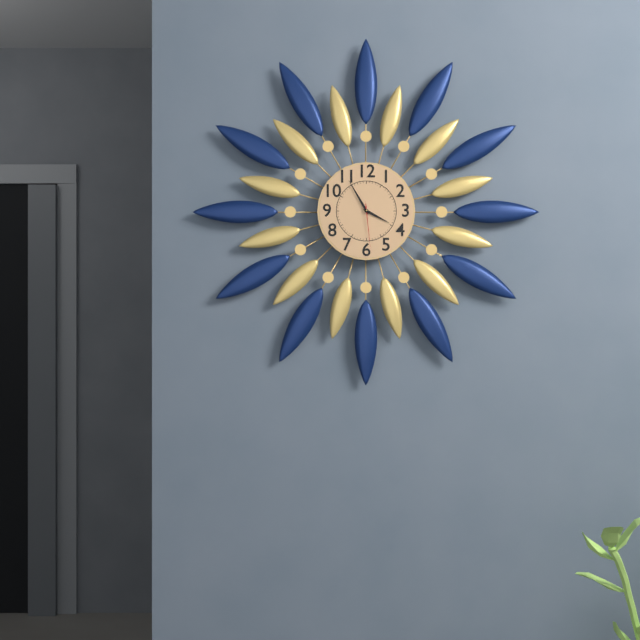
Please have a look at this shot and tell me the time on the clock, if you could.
3:55:29
